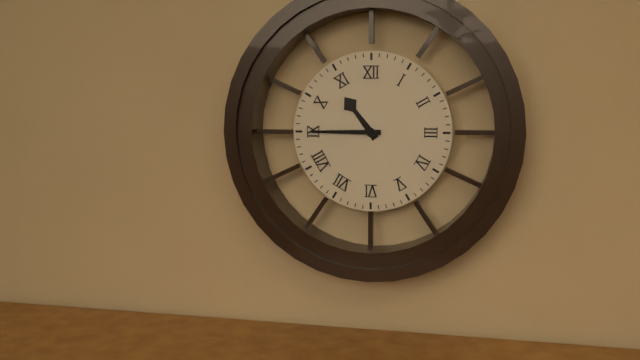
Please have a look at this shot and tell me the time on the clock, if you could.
10:45
